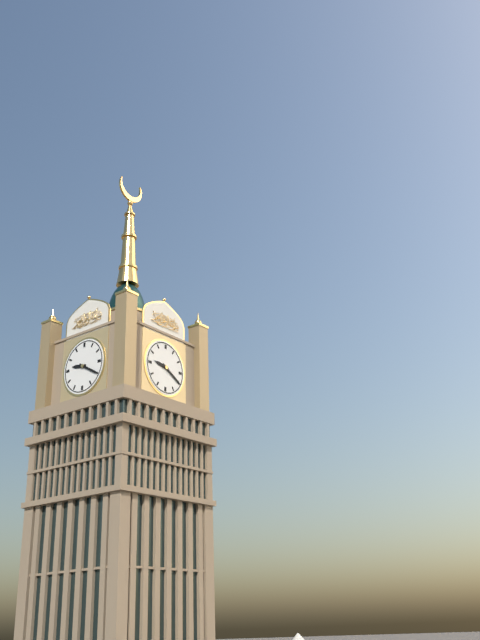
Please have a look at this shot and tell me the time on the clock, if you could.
9:20
